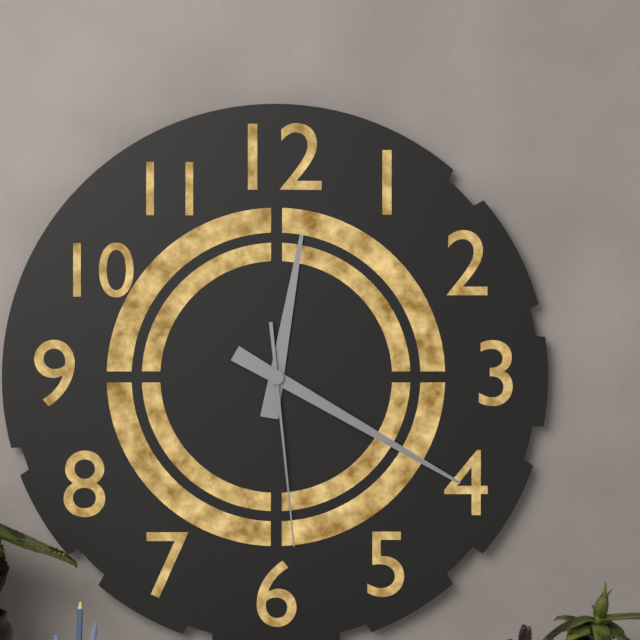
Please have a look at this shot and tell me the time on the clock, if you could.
12:20:29
